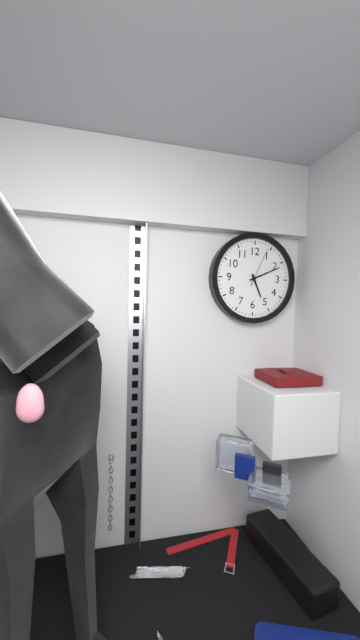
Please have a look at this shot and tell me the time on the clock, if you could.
5:11
